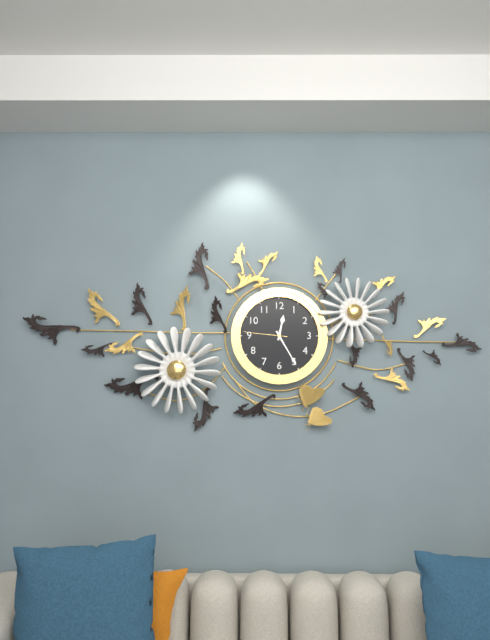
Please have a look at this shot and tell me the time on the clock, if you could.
12:25
